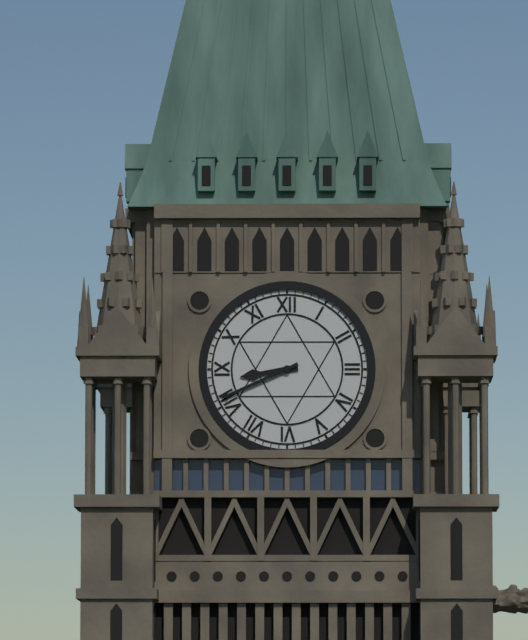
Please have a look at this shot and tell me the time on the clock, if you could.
8:41
